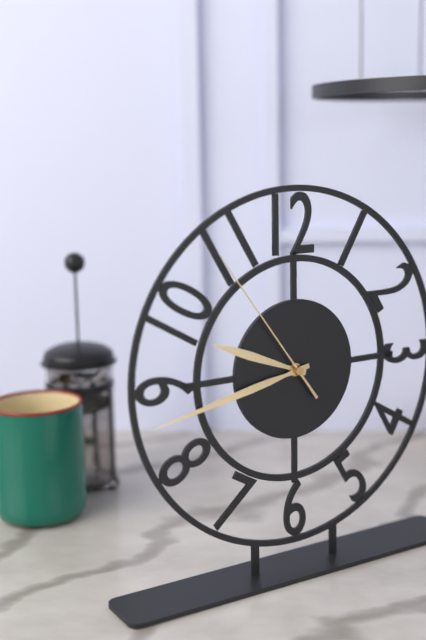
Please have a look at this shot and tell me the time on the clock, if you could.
9:43:54
